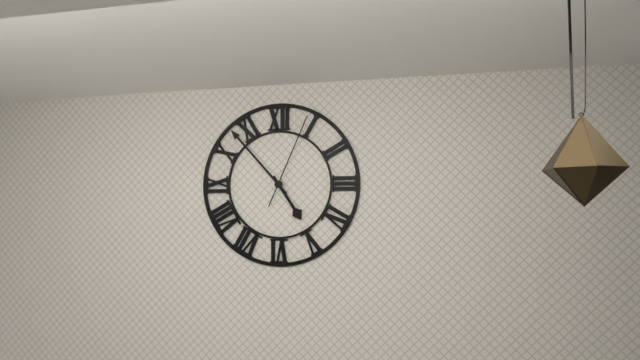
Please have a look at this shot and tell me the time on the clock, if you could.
4:53:04
